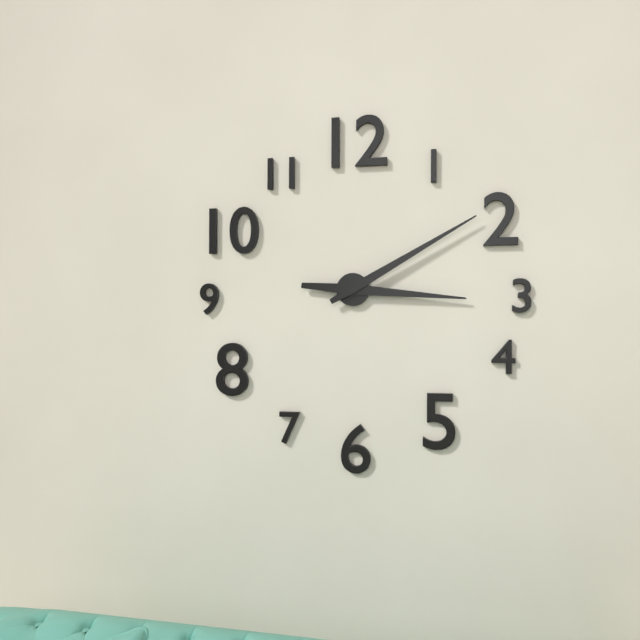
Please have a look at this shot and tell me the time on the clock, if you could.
3:10
